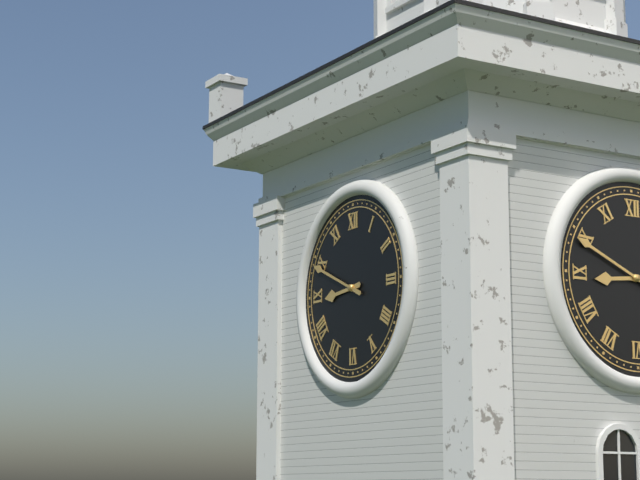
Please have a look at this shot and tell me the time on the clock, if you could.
8:49
